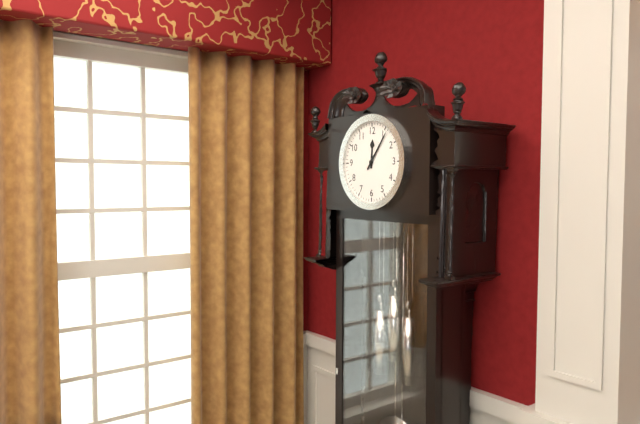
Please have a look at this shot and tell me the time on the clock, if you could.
12:06
